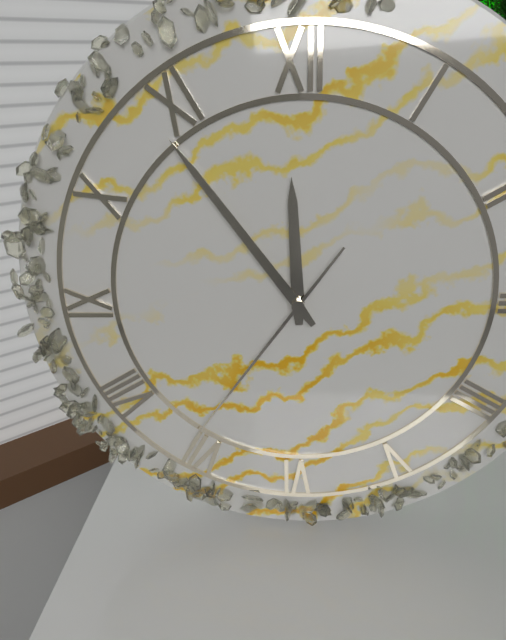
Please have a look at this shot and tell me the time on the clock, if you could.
11:54:36
